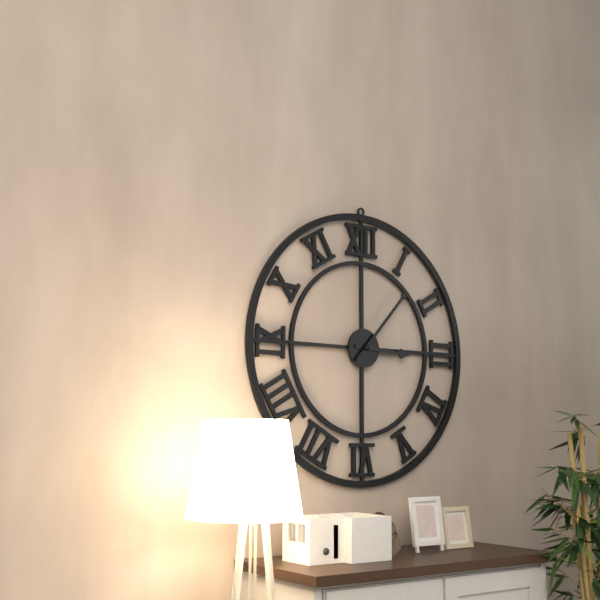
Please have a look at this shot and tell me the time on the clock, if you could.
3:07
